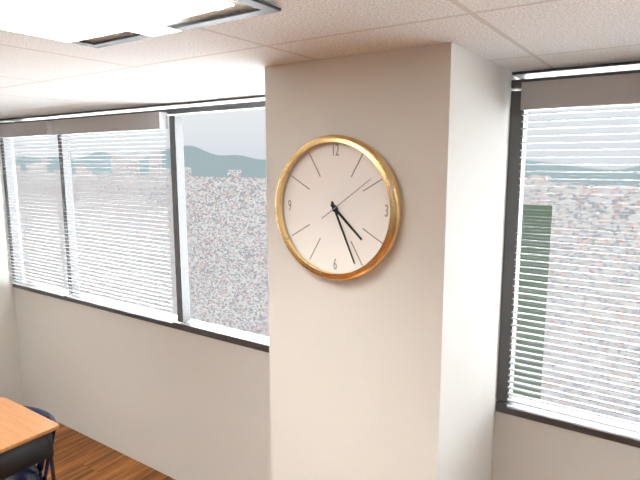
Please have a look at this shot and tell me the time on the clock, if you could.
4:26:09
